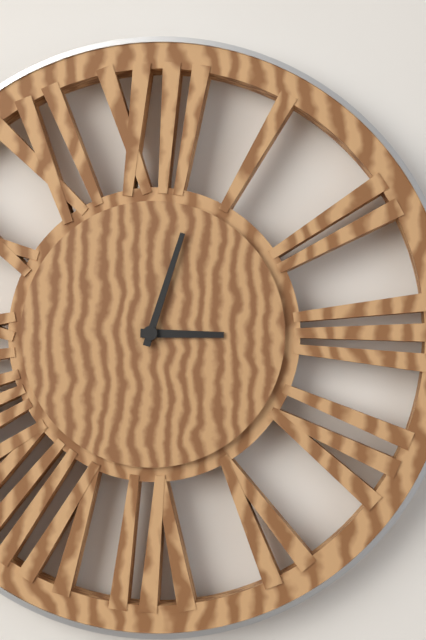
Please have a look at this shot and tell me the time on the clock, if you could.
3:03
